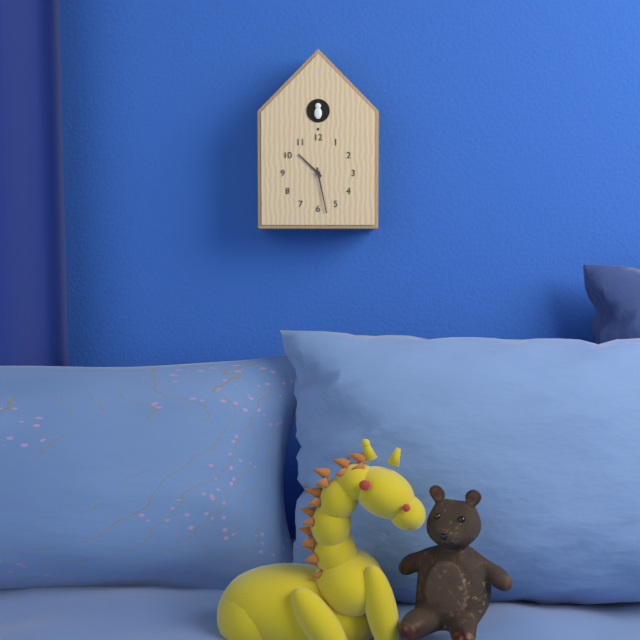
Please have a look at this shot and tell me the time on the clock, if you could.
10:28
